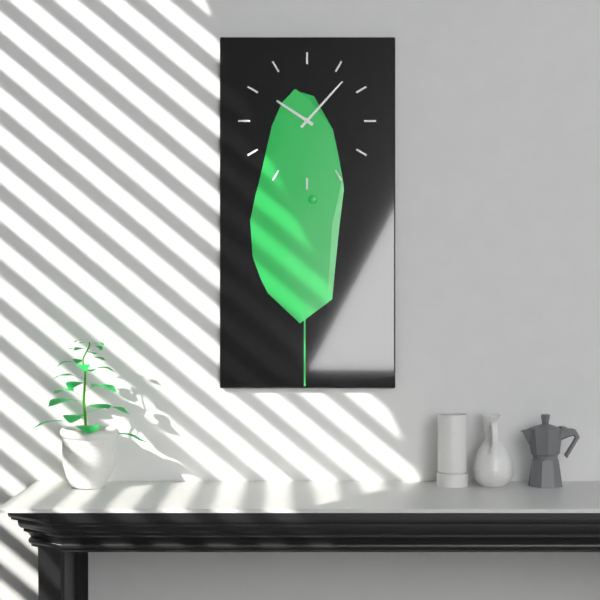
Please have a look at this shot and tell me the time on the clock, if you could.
10:07
